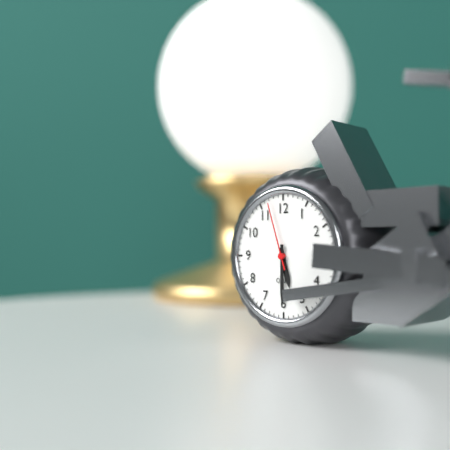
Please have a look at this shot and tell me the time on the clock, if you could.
5:30:57
